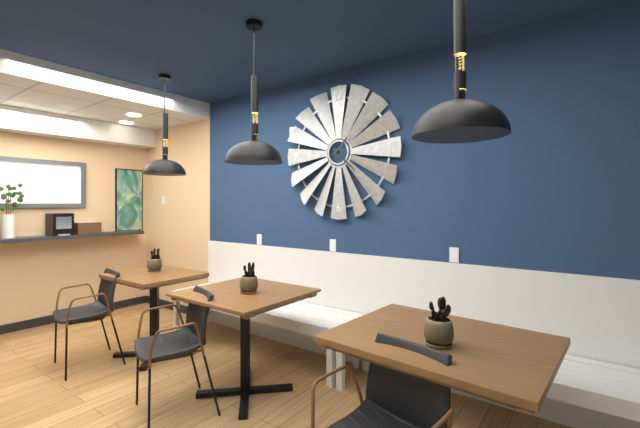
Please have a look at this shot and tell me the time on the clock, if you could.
1:22
